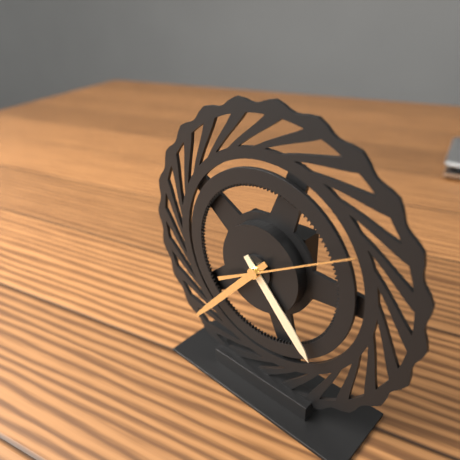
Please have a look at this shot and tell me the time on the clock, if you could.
4:37:10
